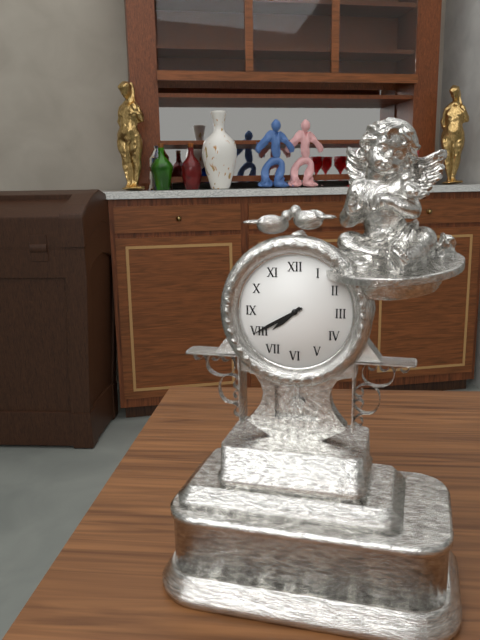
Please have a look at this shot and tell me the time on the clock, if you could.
7:40
